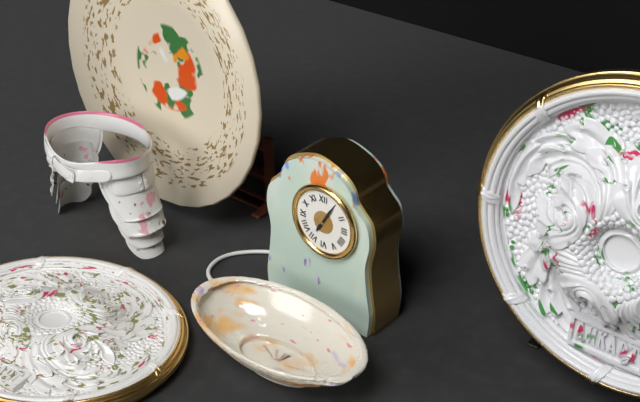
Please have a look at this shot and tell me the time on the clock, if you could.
7:05
